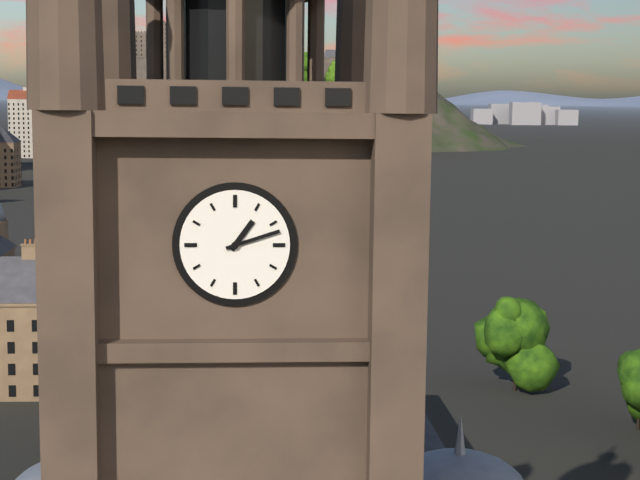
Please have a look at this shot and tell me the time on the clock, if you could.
1:12
